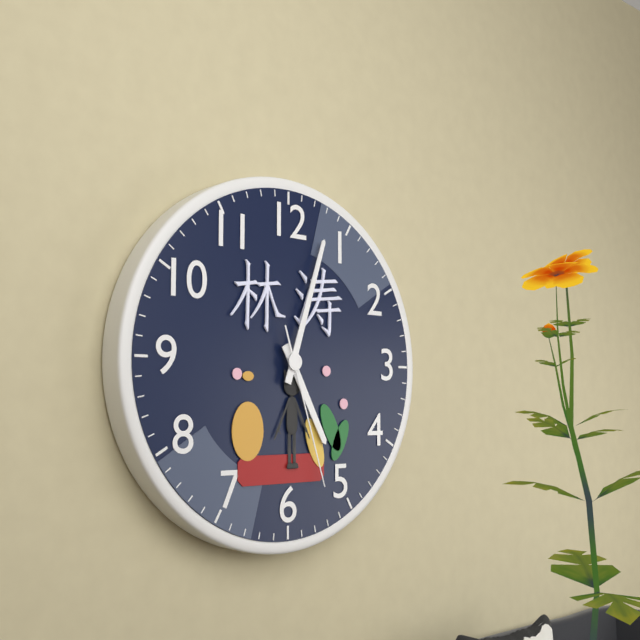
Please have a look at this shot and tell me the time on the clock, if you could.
5:03:27
